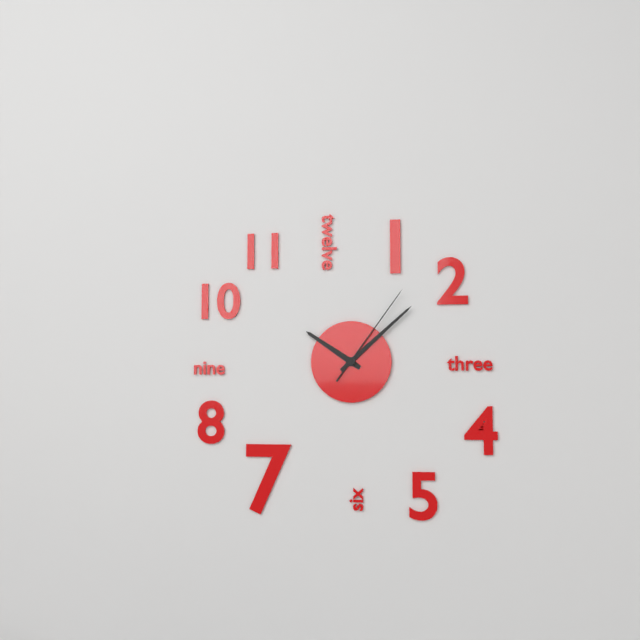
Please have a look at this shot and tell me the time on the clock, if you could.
10:08:06
